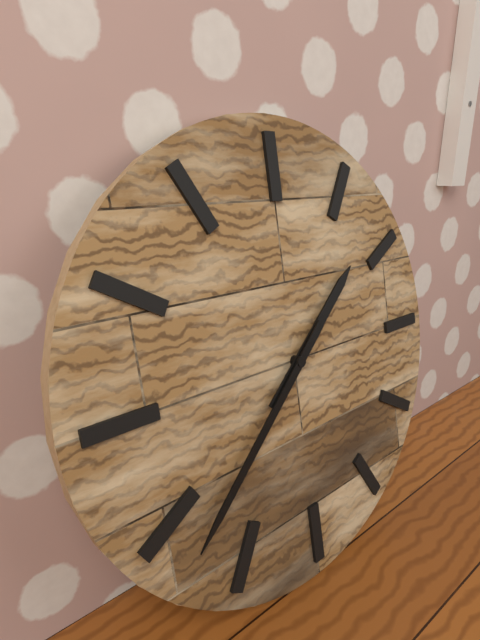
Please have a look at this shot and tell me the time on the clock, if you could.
1:38
